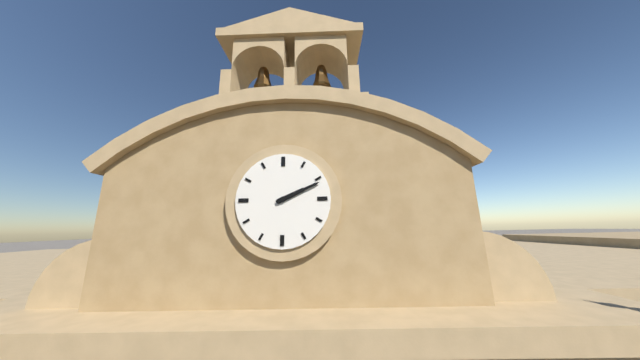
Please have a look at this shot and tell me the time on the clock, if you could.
2:11
